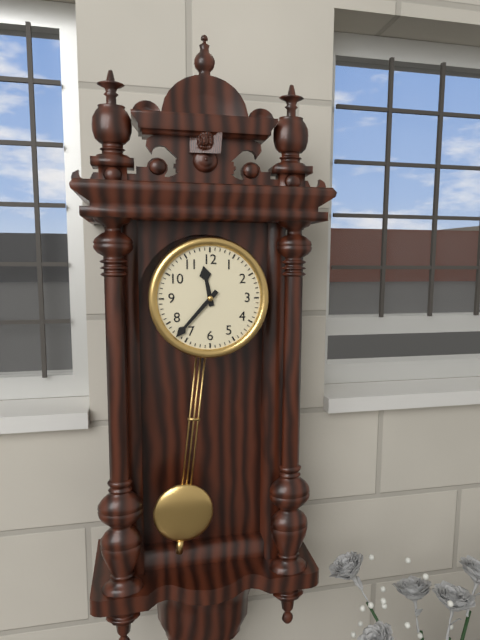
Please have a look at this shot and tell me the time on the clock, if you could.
11:37
